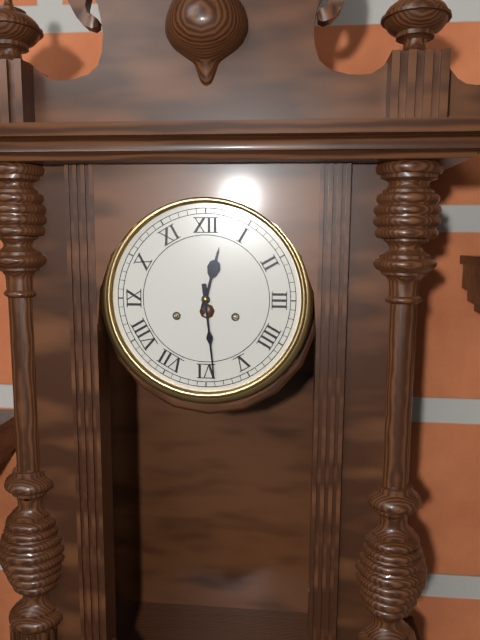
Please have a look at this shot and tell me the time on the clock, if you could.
12:29
